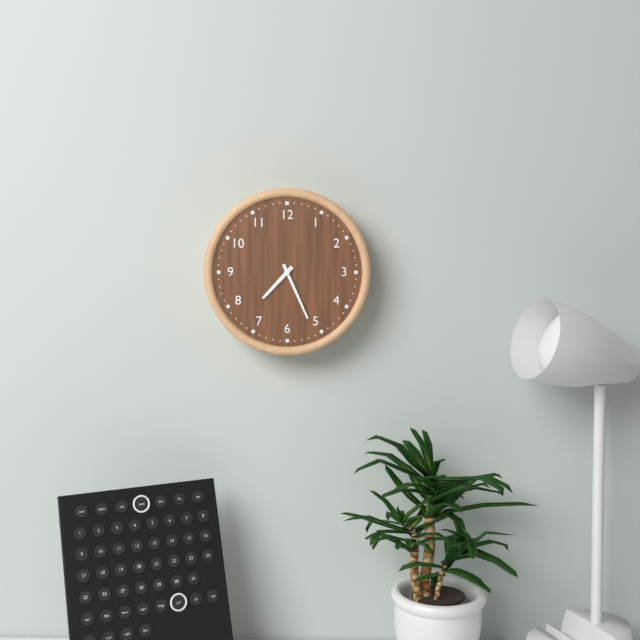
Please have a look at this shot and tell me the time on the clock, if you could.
7:26
